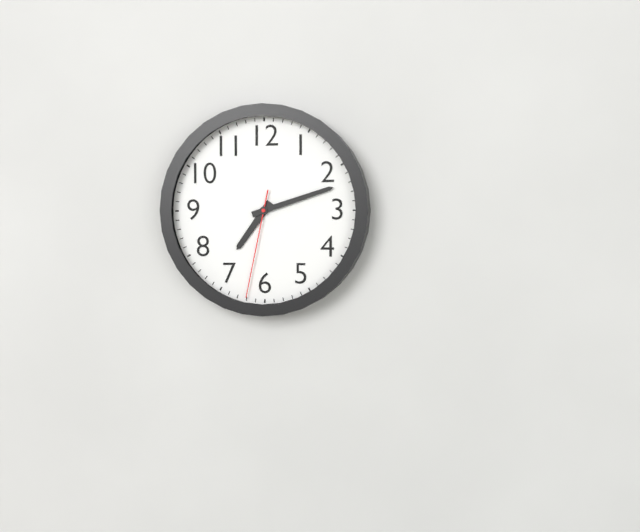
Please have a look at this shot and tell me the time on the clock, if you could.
7:12:32
